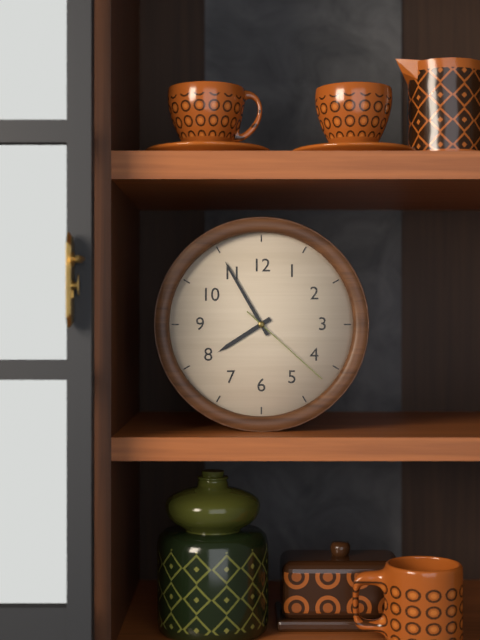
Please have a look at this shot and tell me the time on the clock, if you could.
7:55:22
